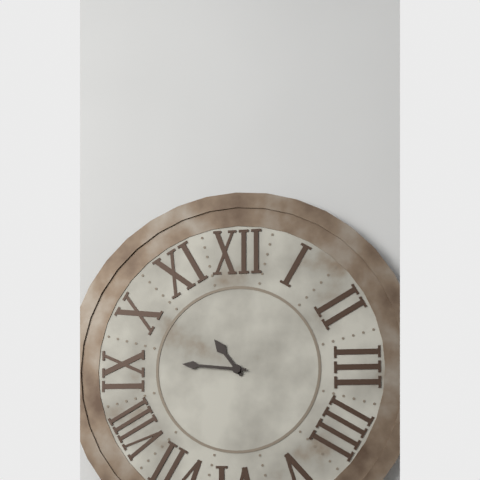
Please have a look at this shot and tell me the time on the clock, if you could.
10:46
